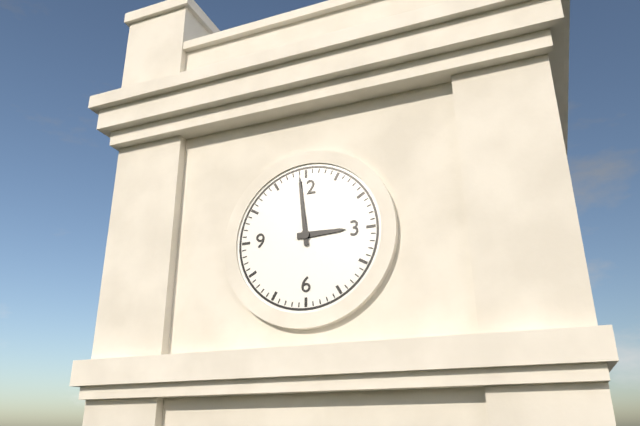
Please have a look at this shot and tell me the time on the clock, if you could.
2:59
